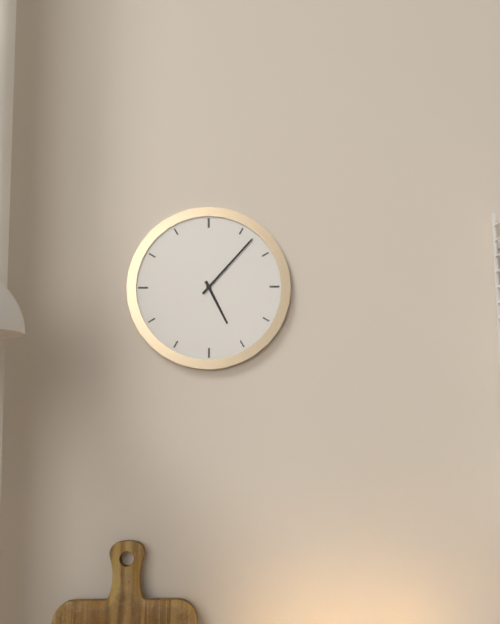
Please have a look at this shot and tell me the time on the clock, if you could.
5:07
